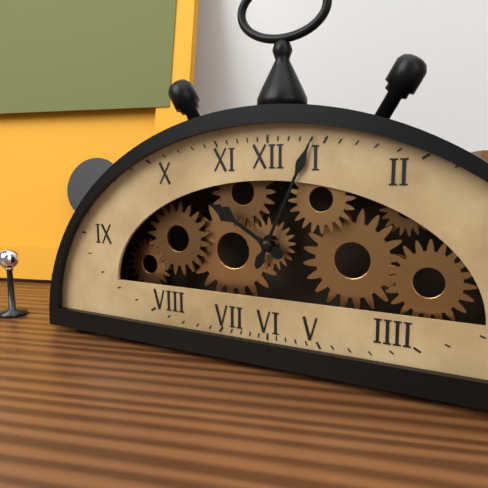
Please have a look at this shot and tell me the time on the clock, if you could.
10:04
